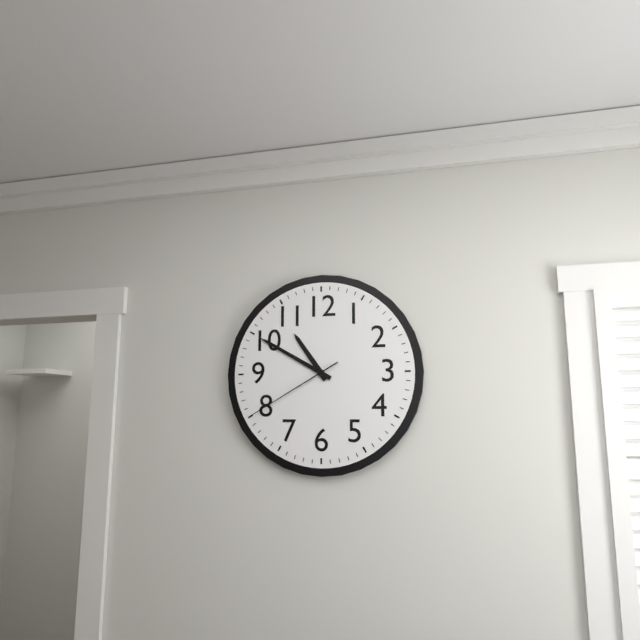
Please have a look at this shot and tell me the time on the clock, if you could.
10:50:40
